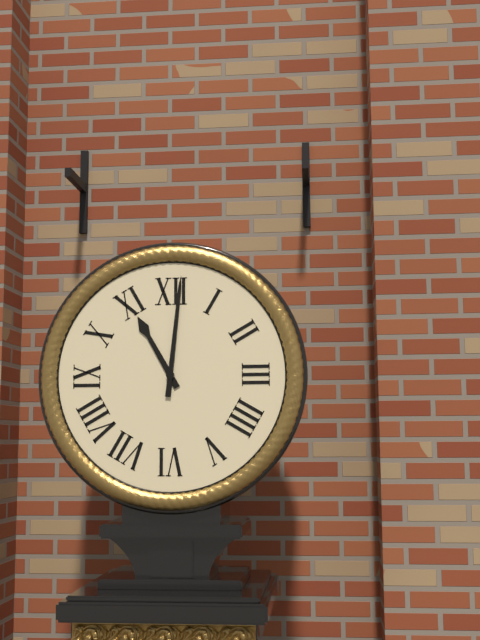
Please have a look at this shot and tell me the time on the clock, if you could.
11:01
